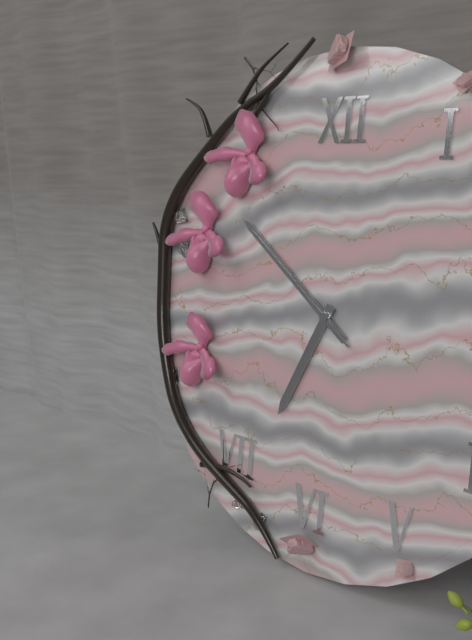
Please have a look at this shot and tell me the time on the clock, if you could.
6:51:51
